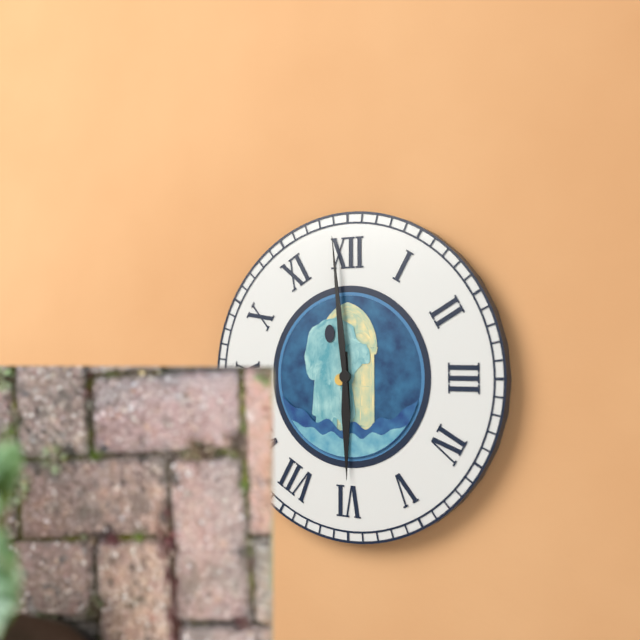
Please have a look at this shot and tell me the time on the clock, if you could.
5:59
